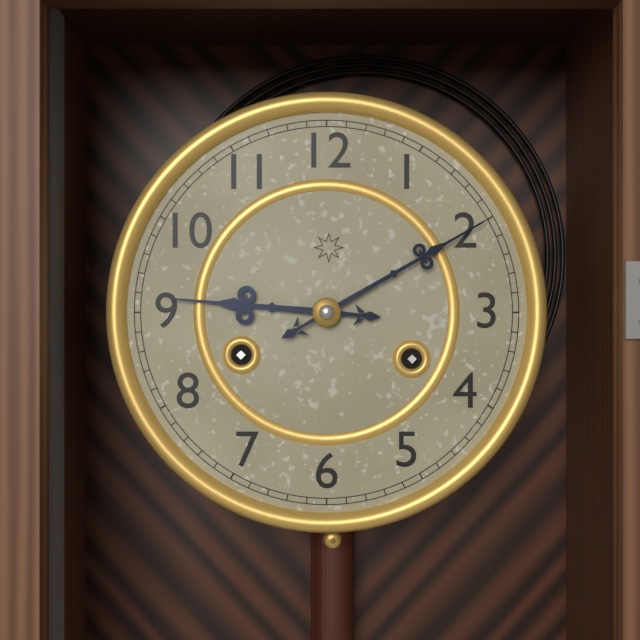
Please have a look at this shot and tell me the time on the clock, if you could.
9:10
